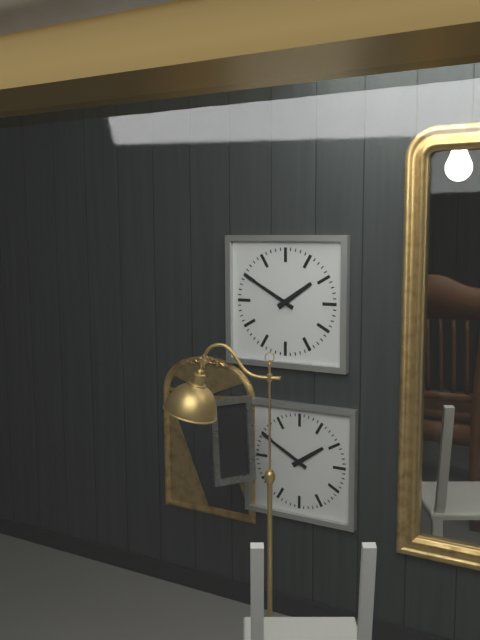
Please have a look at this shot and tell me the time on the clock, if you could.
1:50
